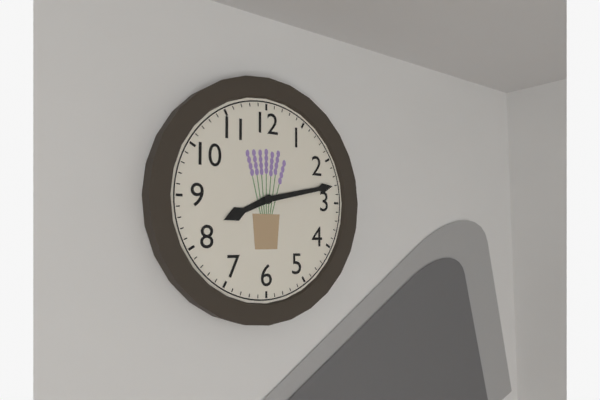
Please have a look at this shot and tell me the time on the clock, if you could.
8:13
